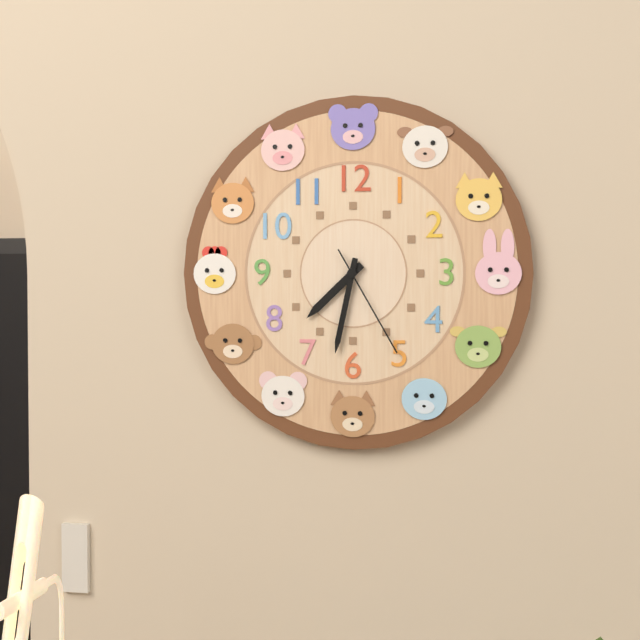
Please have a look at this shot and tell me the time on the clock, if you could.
7:32:25
